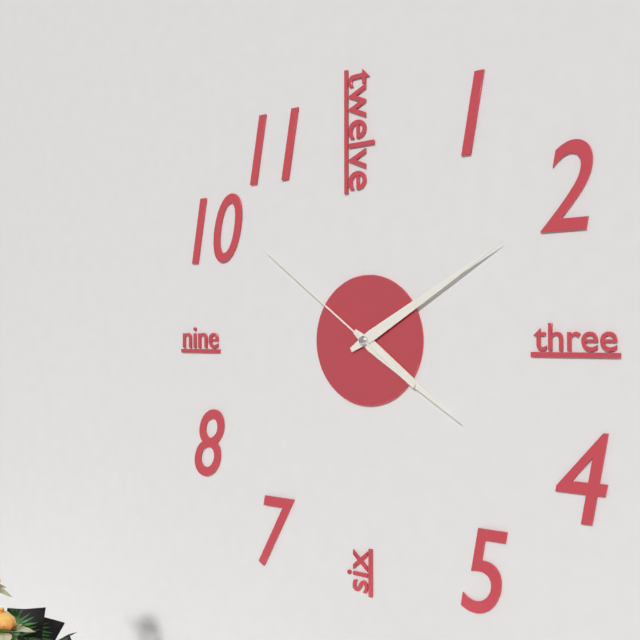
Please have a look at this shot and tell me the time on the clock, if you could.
4:10:51
